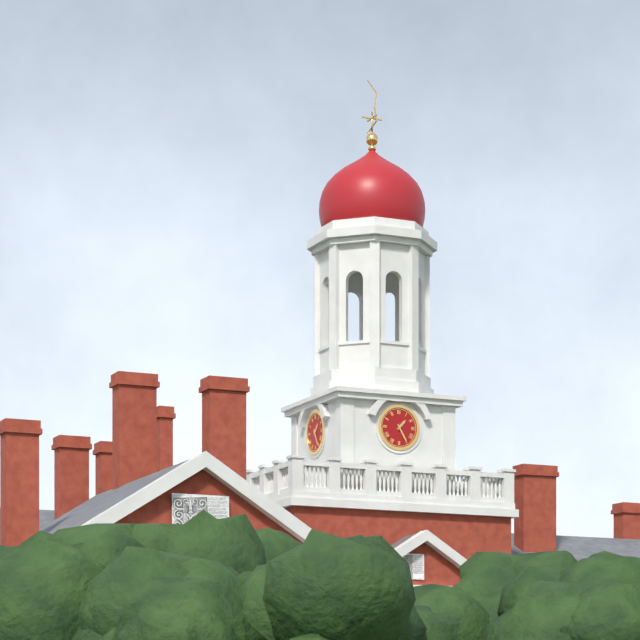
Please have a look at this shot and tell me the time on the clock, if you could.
1:25
